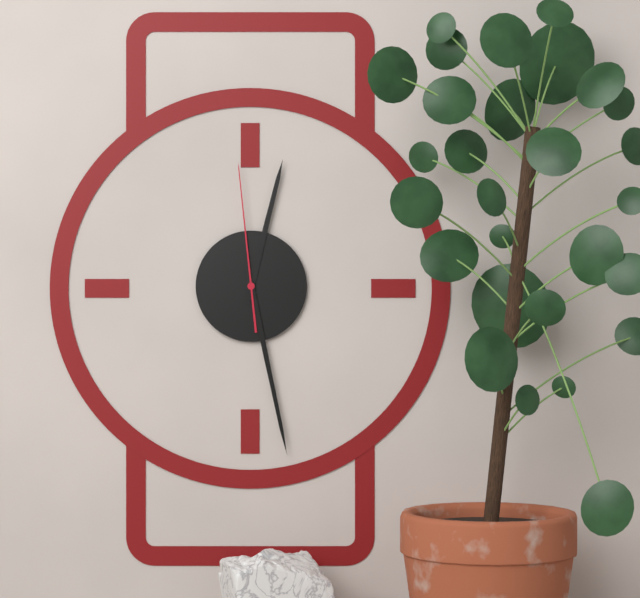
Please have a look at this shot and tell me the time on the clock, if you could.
12:28:59
